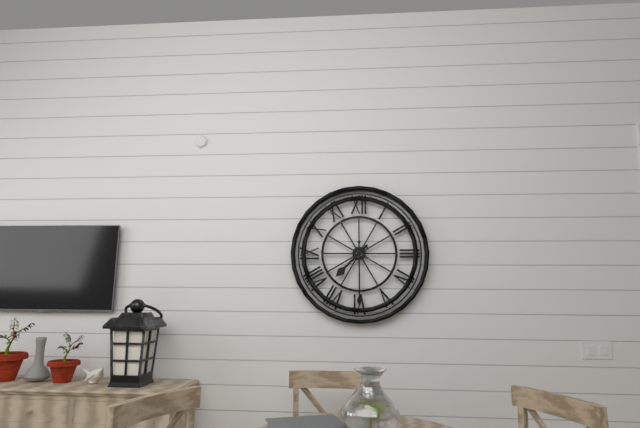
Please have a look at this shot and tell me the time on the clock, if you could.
7:30
